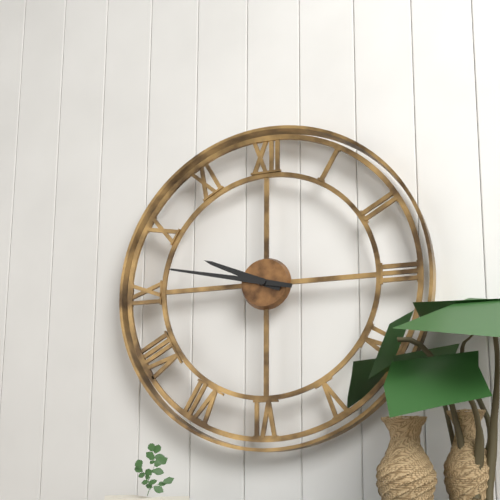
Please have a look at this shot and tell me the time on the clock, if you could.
9:47
